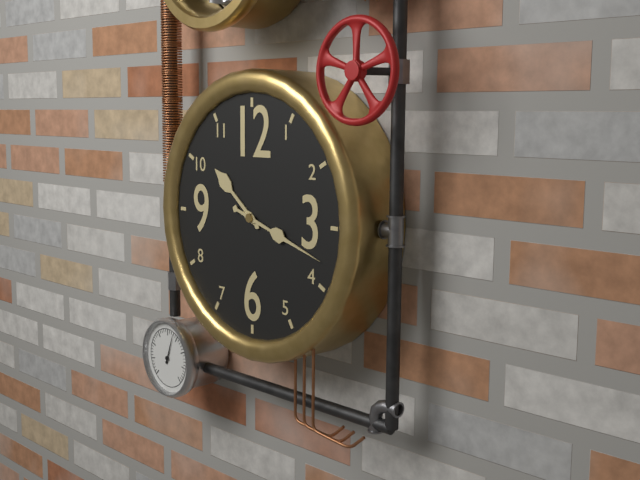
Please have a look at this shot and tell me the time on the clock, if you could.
10:18
